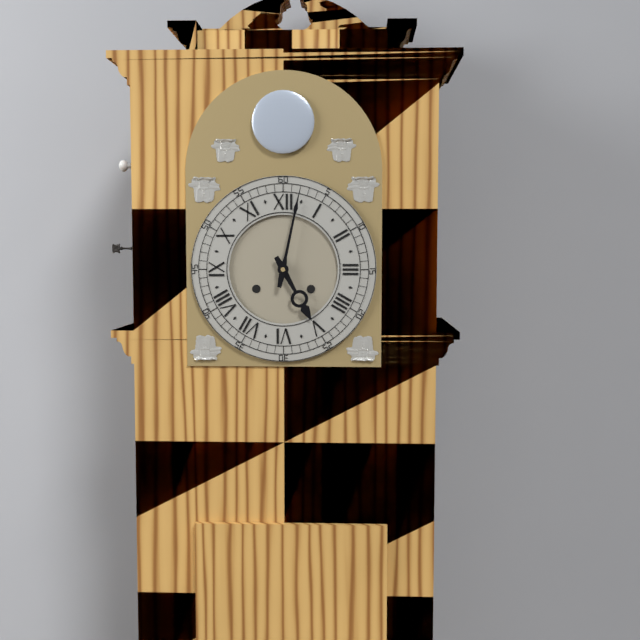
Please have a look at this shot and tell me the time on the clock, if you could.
5:02
